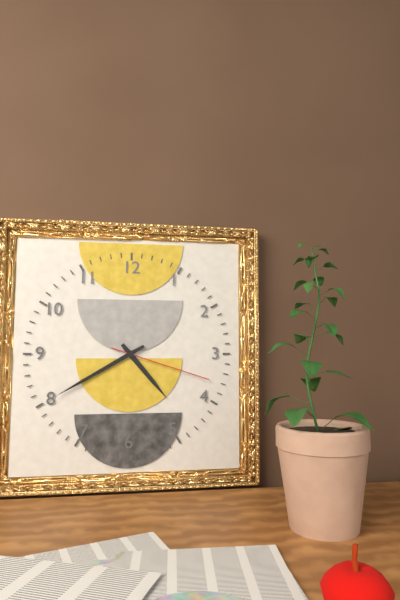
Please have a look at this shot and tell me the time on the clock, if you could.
4:40:18
